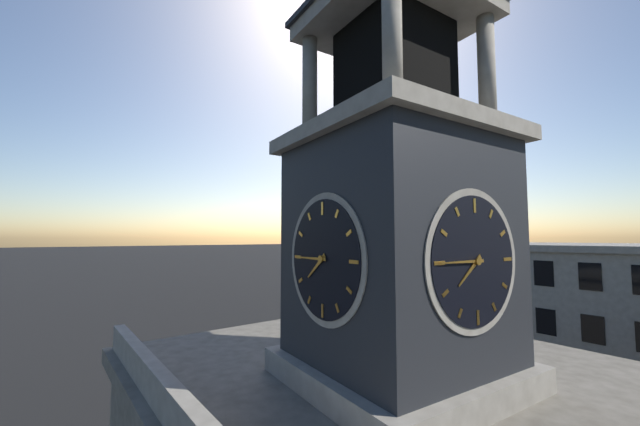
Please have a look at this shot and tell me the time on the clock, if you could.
7:45
